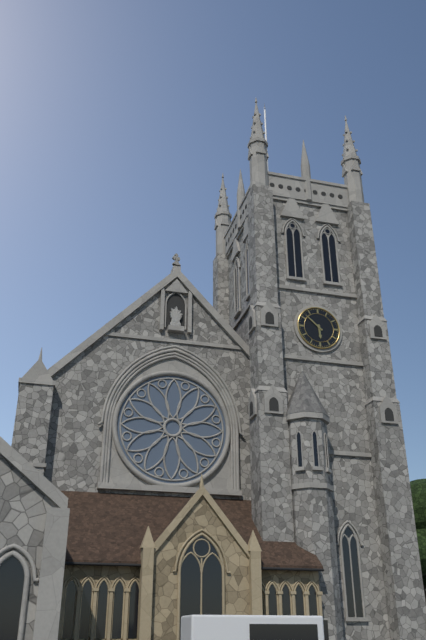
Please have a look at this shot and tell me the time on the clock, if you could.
5:52
